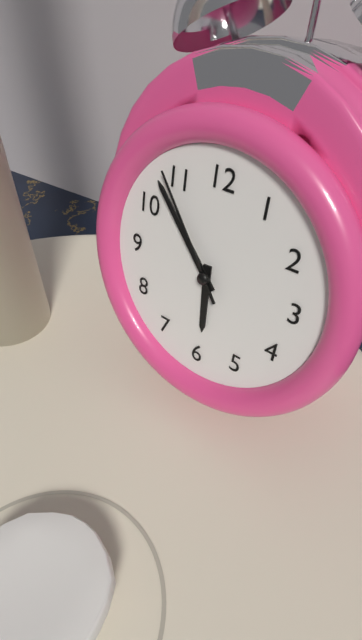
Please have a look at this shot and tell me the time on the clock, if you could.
5:53:54
